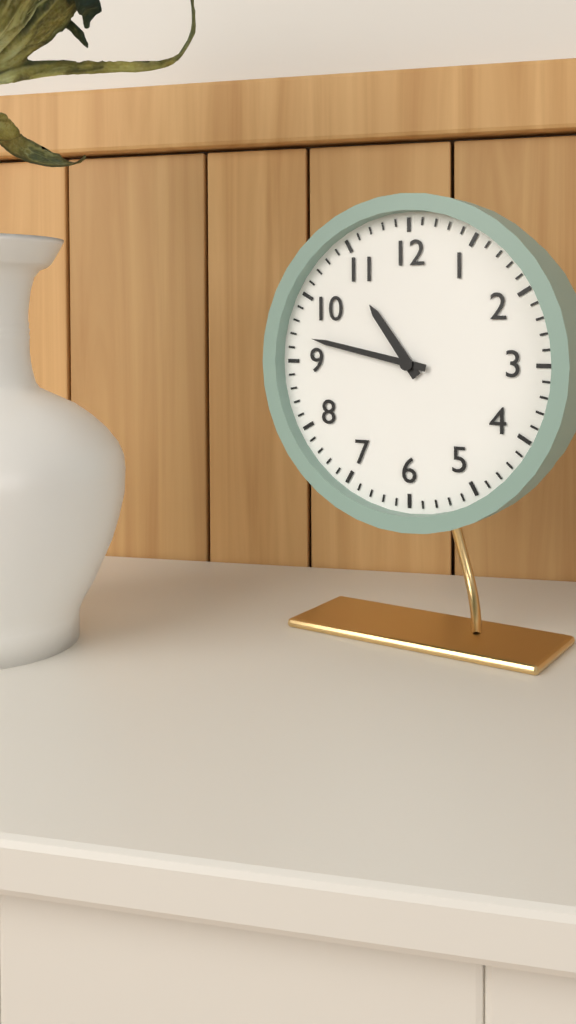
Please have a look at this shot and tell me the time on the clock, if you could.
10:47
